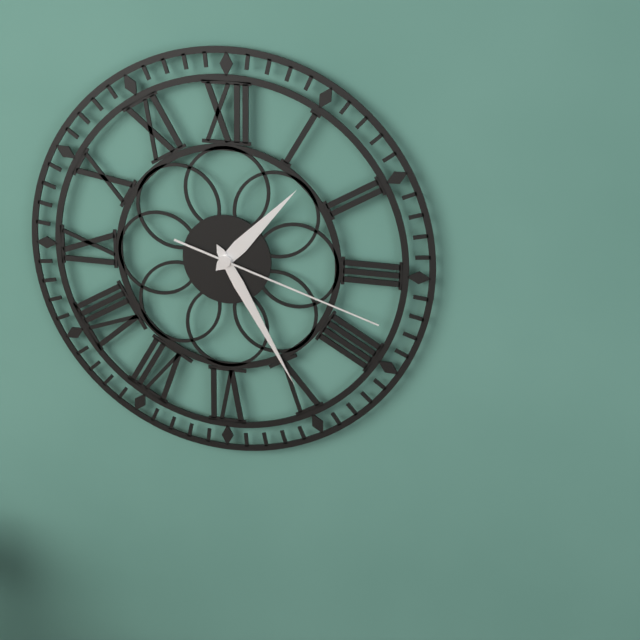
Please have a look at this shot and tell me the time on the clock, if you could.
1:25:18
